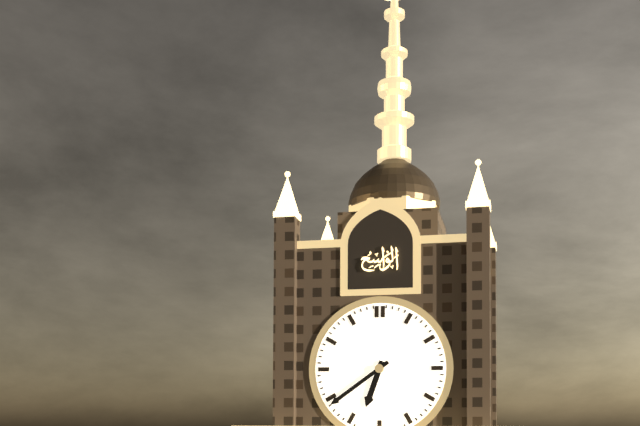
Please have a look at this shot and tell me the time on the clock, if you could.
6:39
